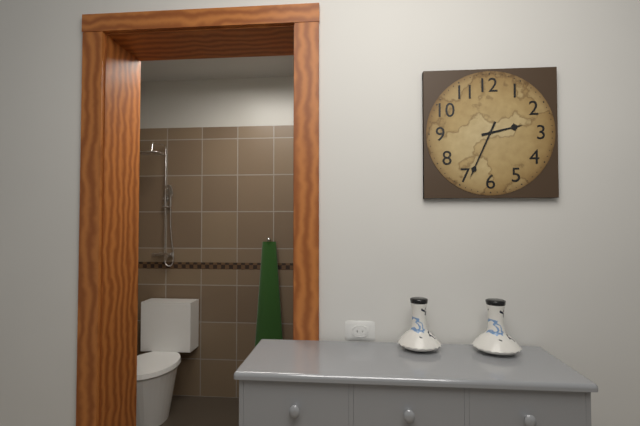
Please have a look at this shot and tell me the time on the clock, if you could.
2:34
